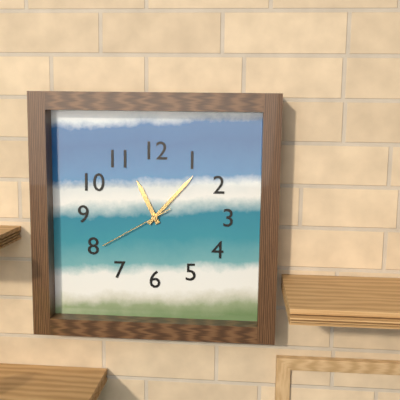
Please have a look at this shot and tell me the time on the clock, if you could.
11:07:40
